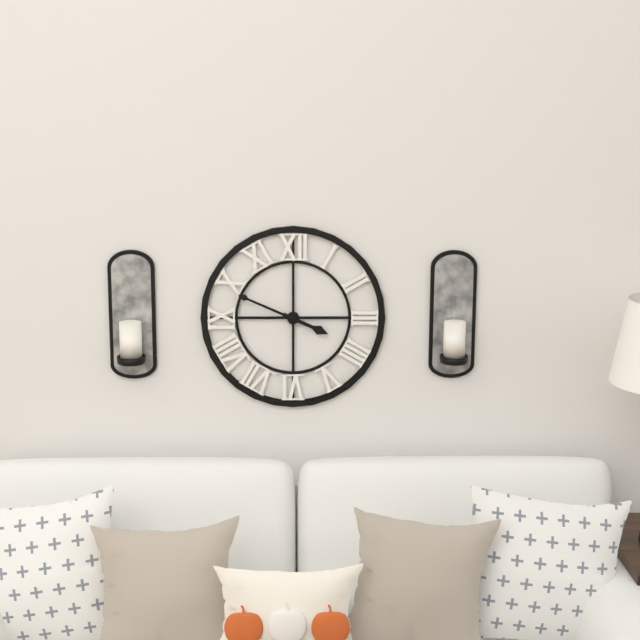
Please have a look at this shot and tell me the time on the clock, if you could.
3:49
